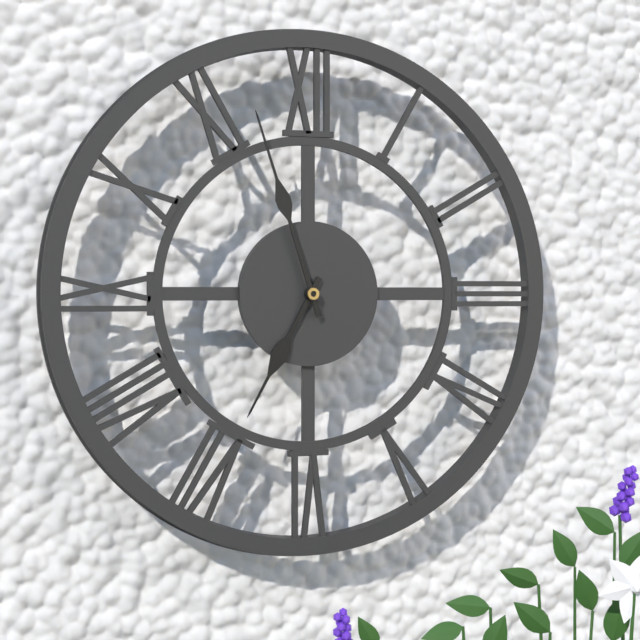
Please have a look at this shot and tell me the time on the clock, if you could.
6:57
